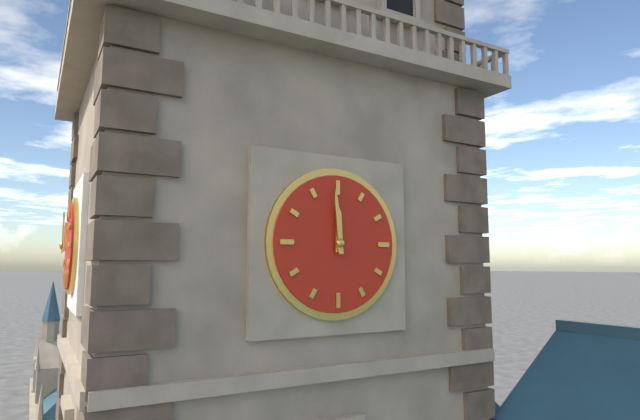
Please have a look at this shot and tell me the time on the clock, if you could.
11:59
